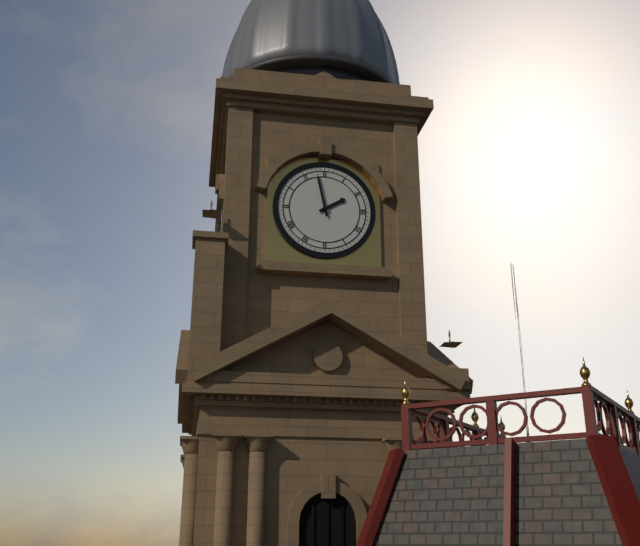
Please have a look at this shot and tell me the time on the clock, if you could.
1:58
